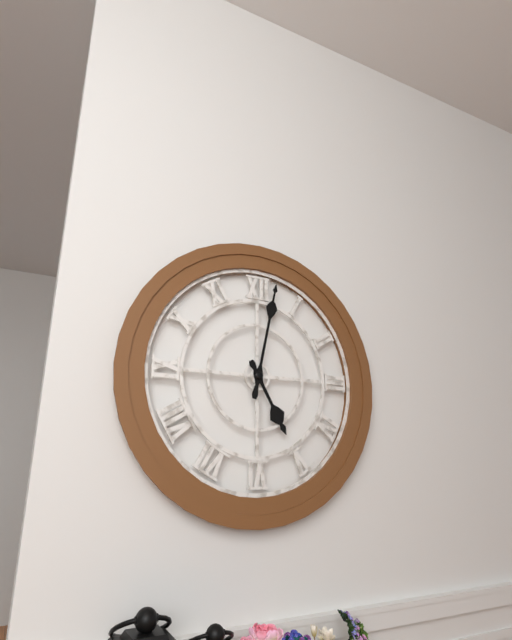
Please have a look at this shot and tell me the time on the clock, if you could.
5:02
